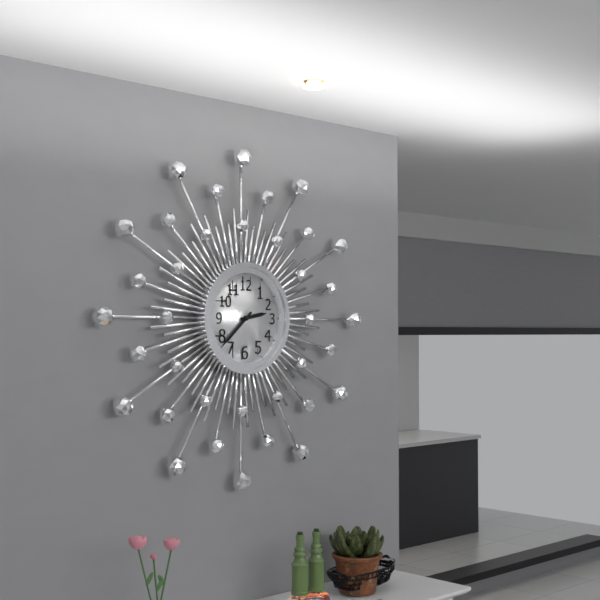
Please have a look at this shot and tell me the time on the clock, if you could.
2:38
